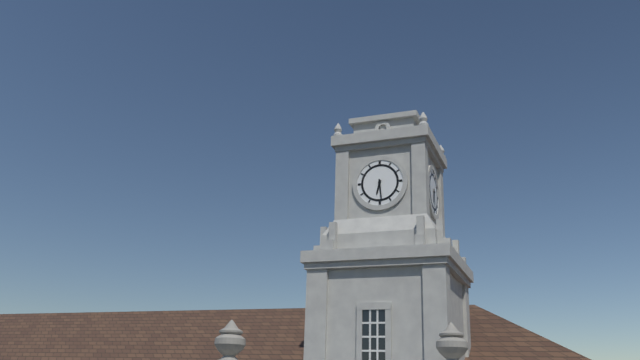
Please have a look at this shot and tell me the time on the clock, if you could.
6:29
